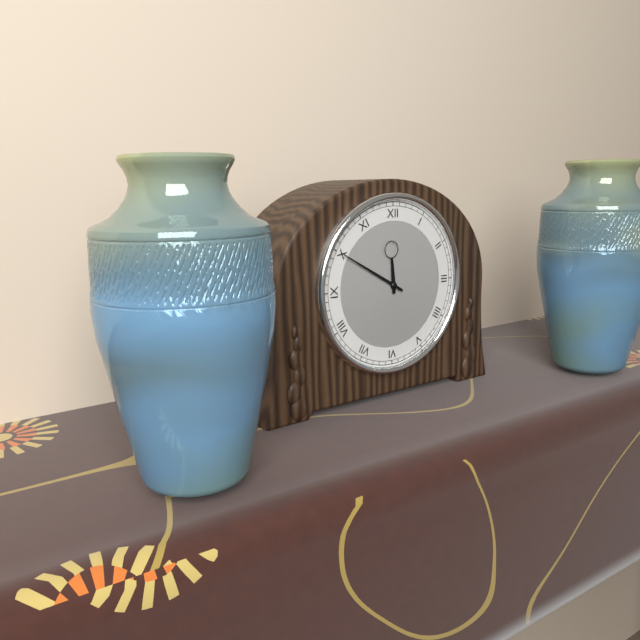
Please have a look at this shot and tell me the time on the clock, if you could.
11:50
